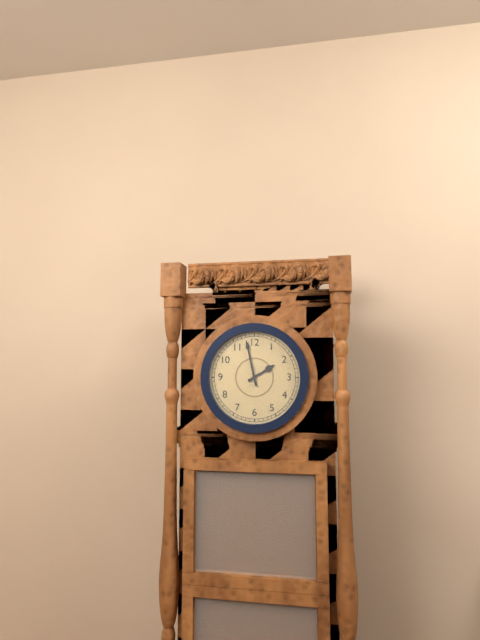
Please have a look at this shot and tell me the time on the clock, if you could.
1:58
